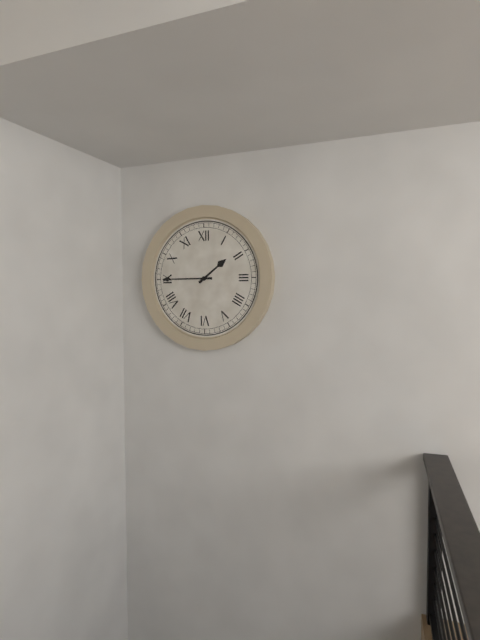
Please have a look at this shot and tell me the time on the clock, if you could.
1:45
